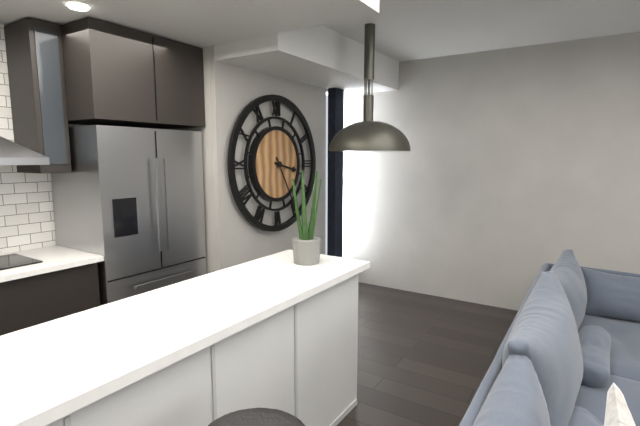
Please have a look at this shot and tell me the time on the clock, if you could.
3:25
